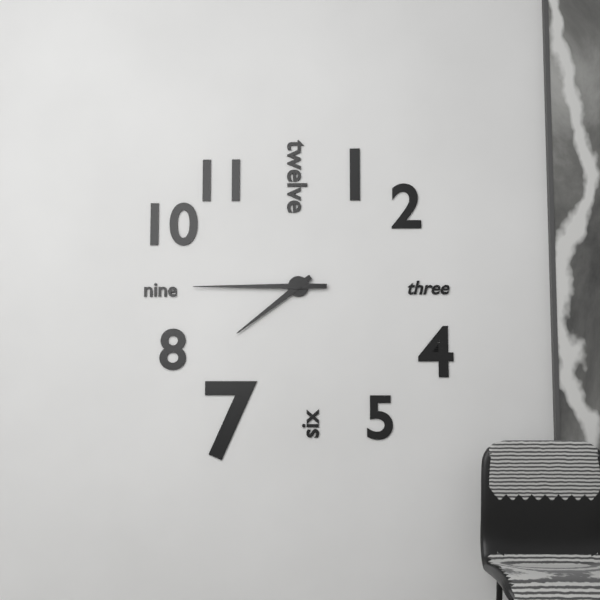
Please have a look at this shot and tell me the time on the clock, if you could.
7:45
